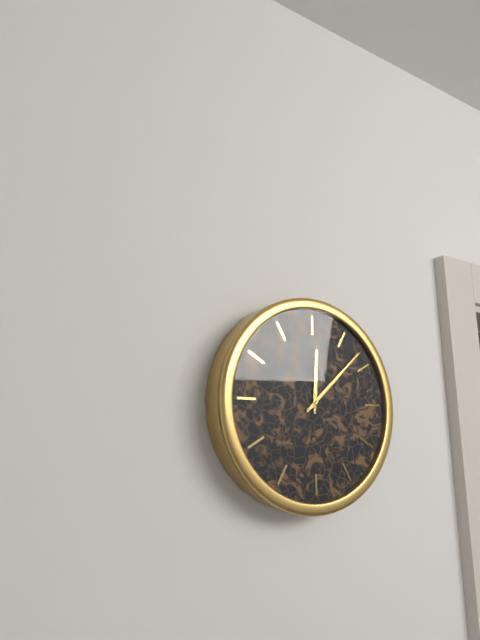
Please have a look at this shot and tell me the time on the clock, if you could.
12:08
